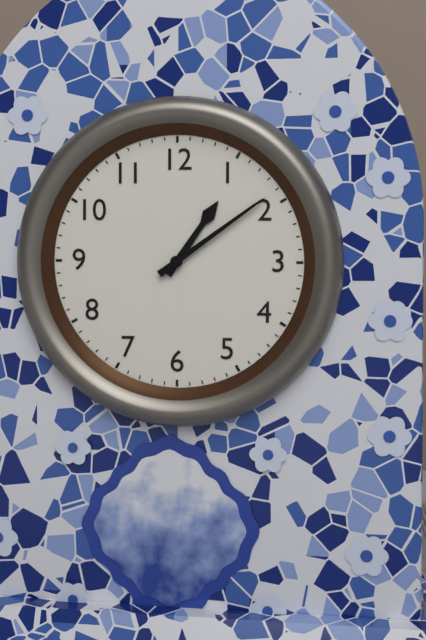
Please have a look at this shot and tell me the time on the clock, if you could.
1:09
